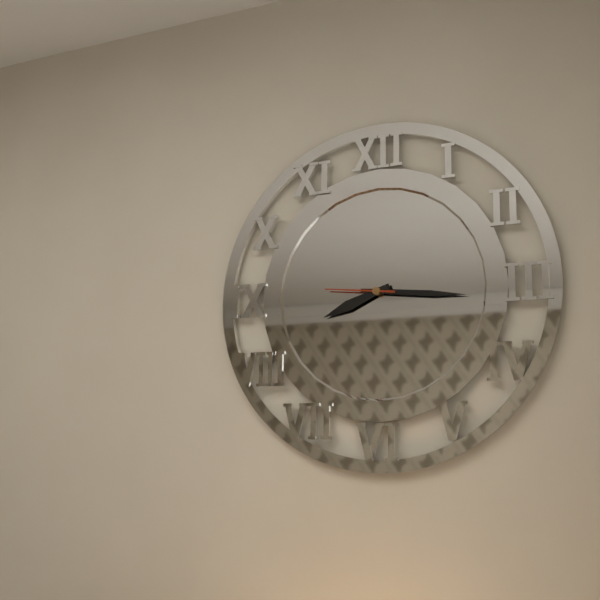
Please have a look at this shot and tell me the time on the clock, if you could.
8:16:46
